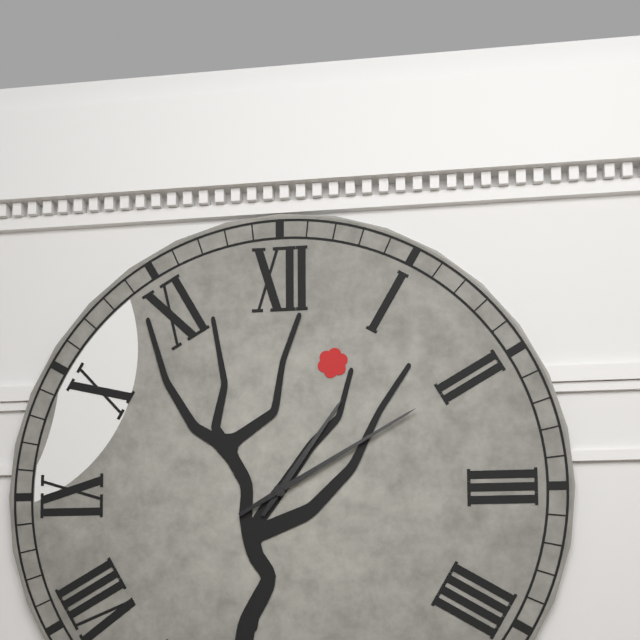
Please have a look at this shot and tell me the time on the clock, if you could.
1:10
